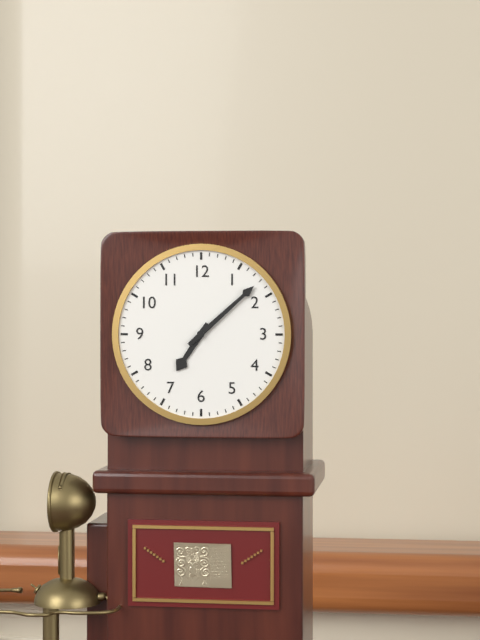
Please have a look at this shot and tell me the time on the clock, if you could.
7:08
